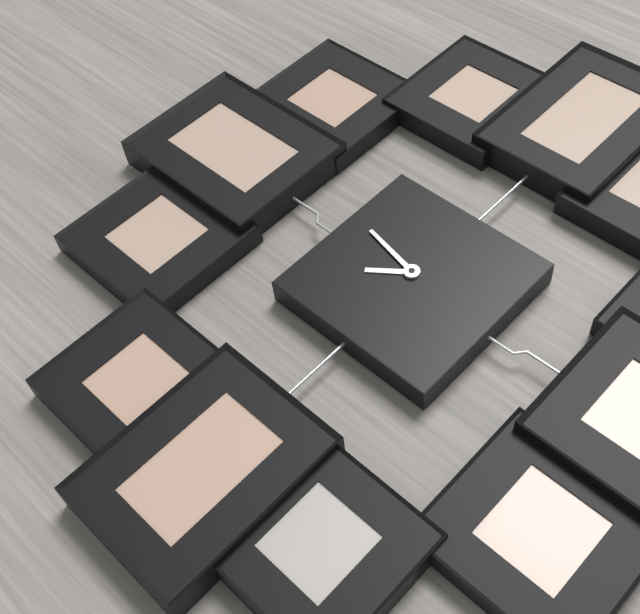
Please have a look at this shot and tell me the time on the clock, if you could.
7:47
